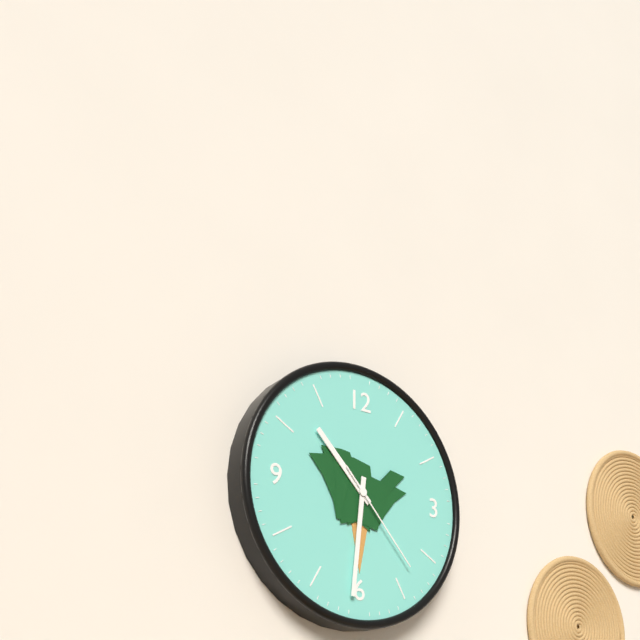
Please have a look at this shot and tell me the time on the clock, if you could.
10:31:23
